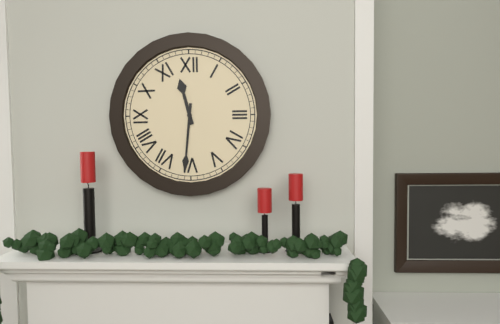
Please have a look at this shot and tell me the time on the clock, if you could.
11:31
